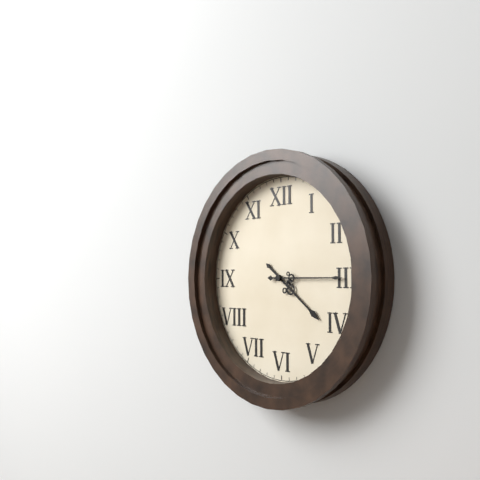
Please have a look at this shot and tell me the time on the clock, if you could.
4:15
